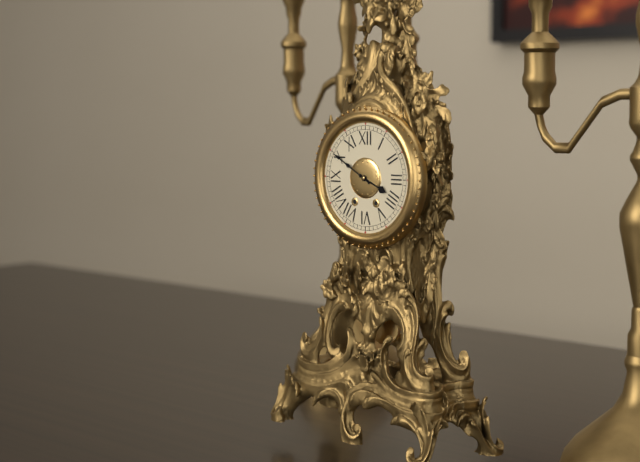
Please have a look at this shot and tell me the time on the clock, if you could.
3:50
